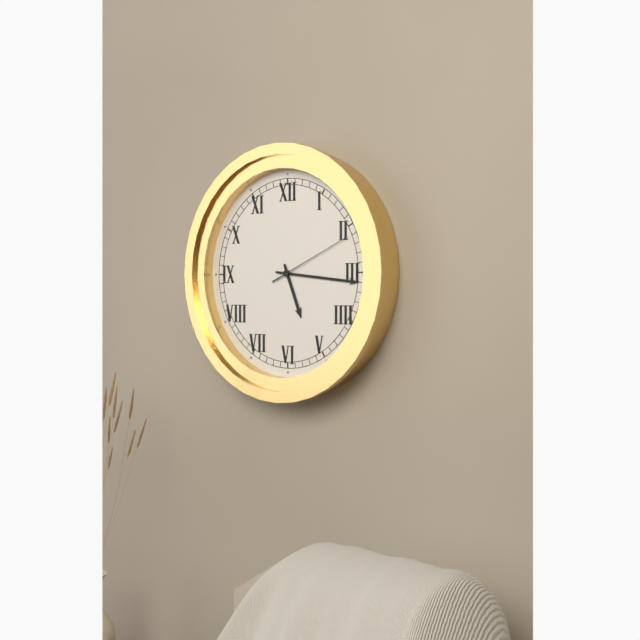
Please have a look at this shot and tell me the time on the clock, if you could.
5:16:11
